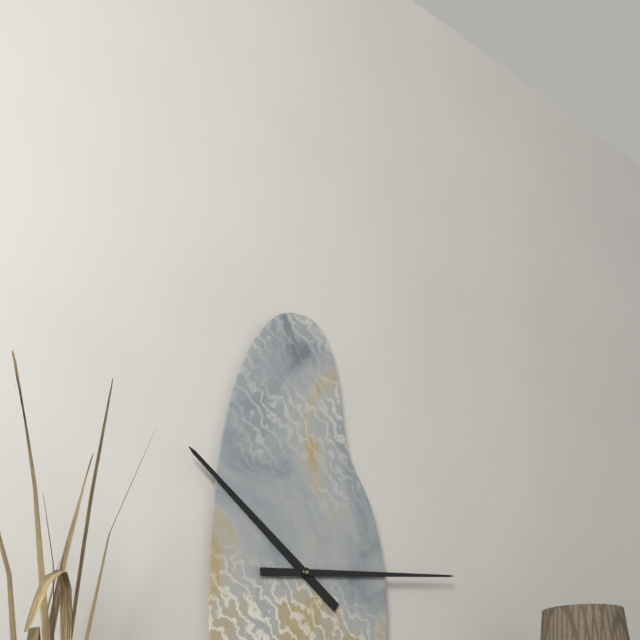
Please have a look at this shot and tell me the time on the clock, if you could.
10:14
